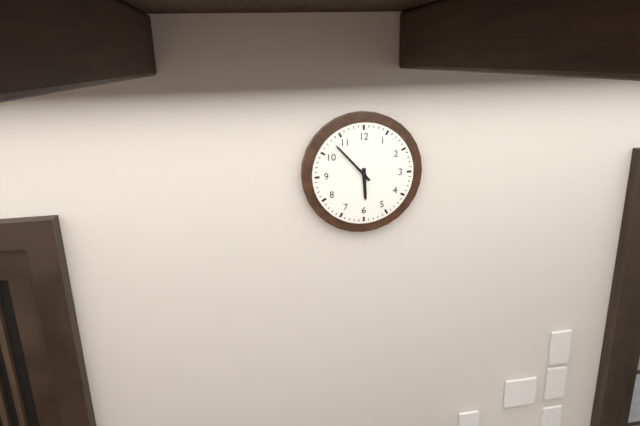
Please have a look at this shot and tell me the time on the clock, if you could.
5:53
